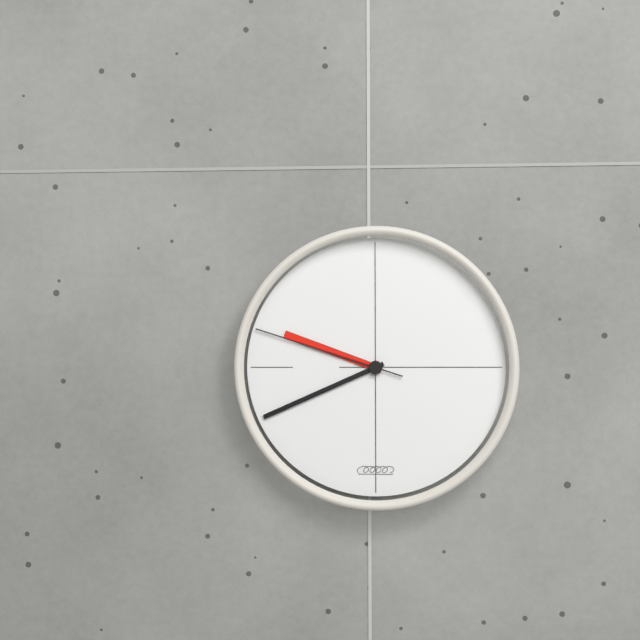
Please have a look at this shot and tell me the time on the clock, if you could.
9:41:48
